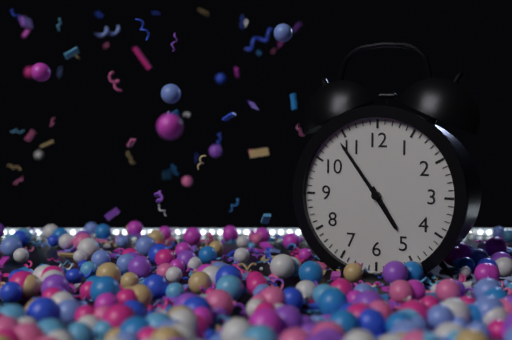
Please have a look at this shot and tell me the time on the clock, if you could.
4:54
